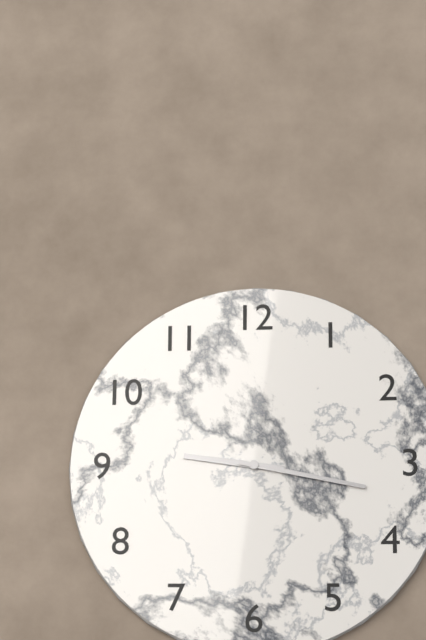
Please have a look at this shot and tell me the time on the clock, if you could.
9:17
